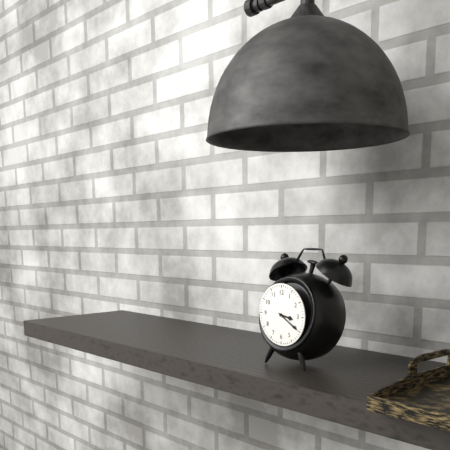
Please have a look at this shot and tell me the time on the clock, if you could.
3:20
